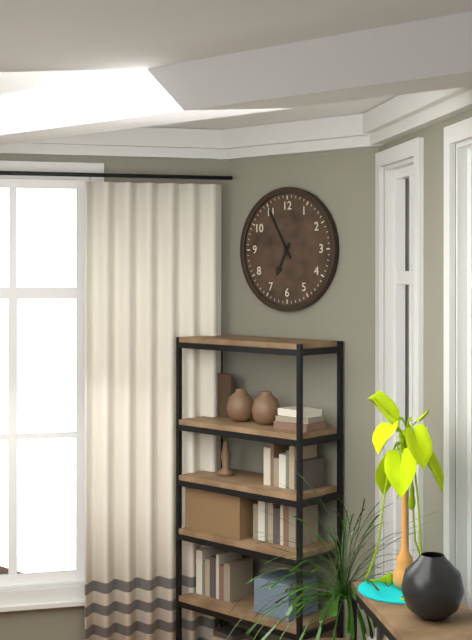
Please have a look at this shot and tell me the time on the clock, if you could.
6:55
